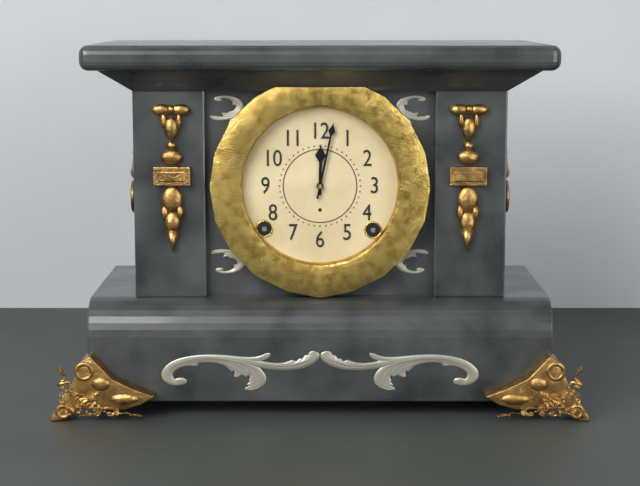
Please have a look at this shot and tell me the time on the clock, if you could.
12:02
